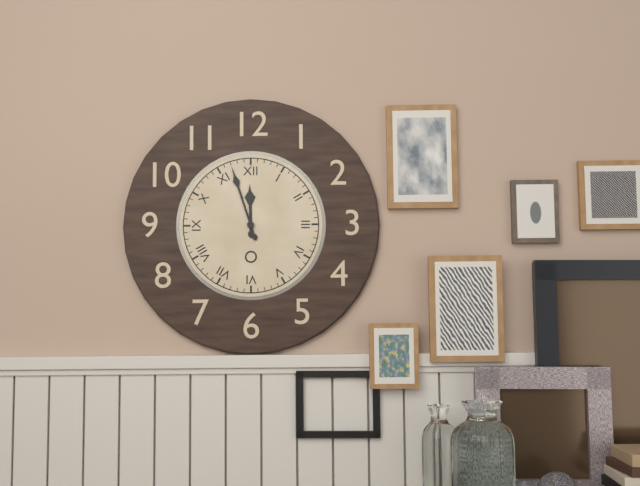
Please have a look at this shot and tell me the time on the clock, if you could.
11:57
